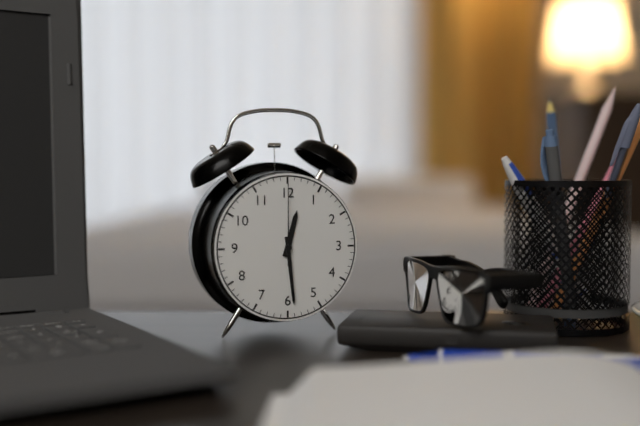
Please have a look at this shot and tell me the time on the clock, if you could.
12:29:00
